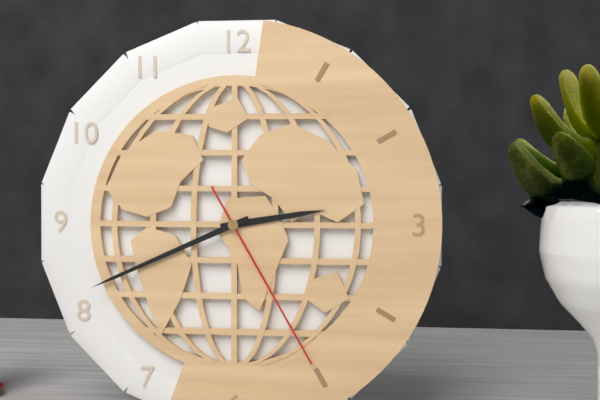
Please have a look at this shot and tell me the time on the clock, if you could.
2:41:25
